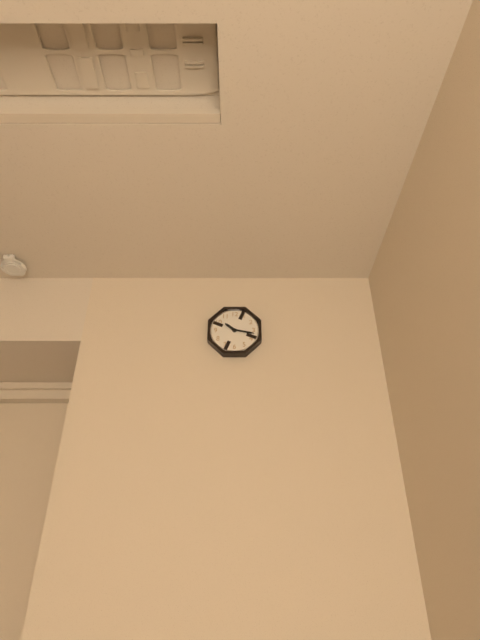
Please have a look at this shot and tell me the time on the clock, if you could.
10:17
